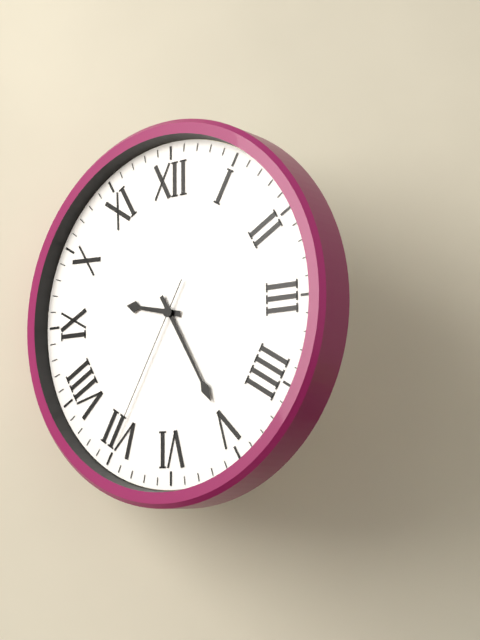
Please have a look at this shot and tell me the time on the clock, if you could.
9:25:35
